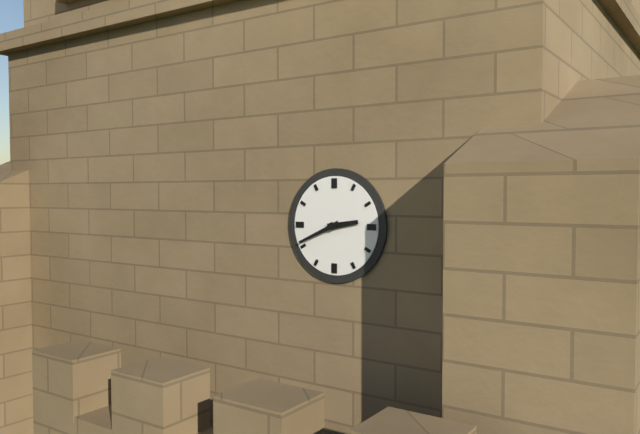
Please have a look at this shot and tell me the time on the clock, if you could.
2:41
